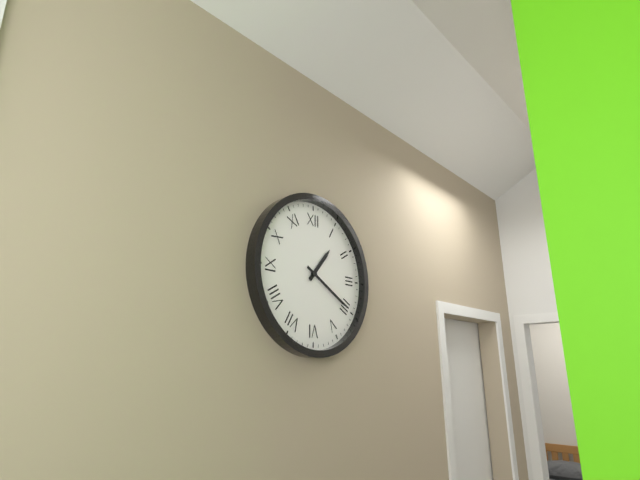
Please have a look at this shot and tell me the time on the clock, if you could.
1:20
